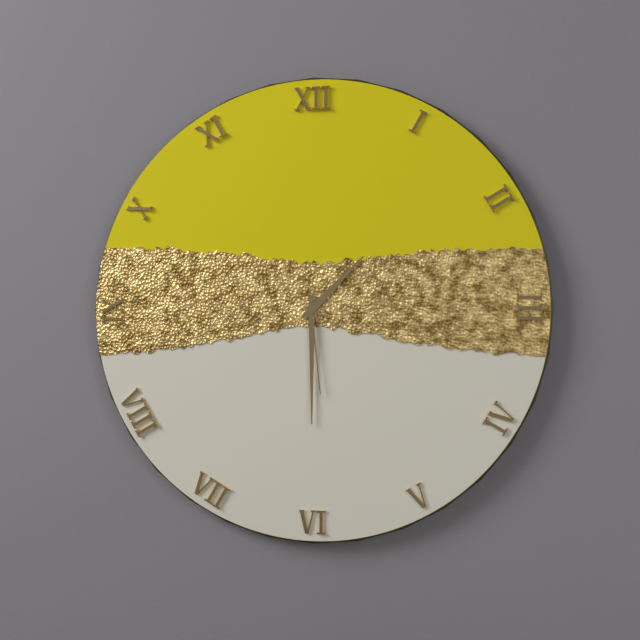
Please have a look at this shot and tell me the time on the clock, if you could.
1:30:29
